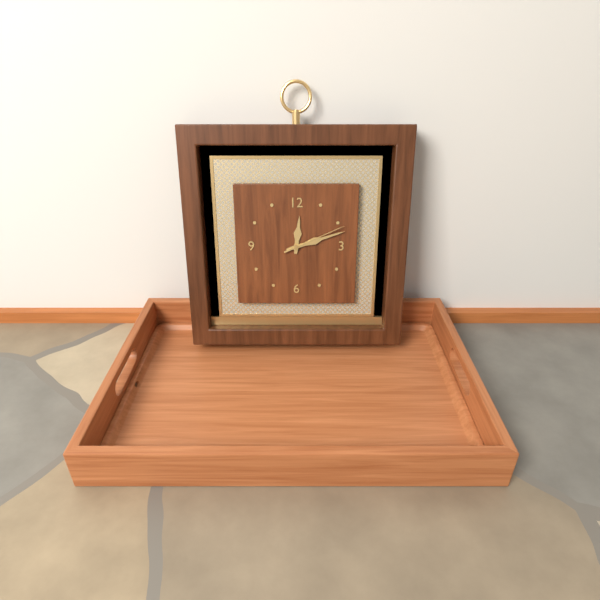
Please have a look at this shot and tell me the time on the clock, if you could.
12:12:11
